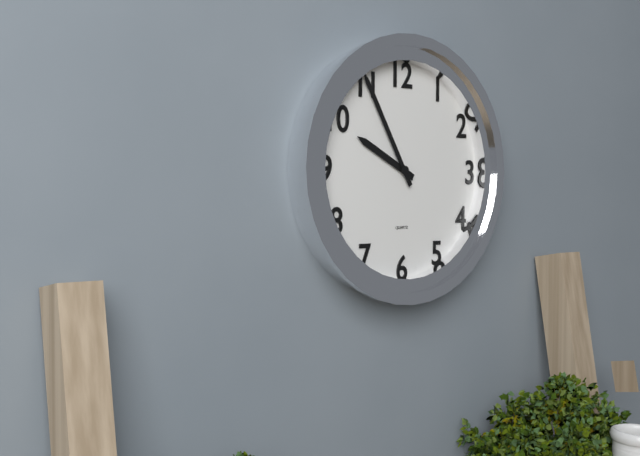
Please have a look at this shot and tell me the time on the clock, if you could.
9:55
